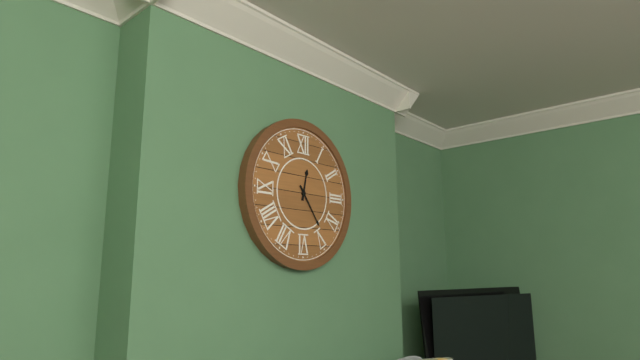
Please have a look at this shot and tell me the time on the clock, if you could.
12:24
